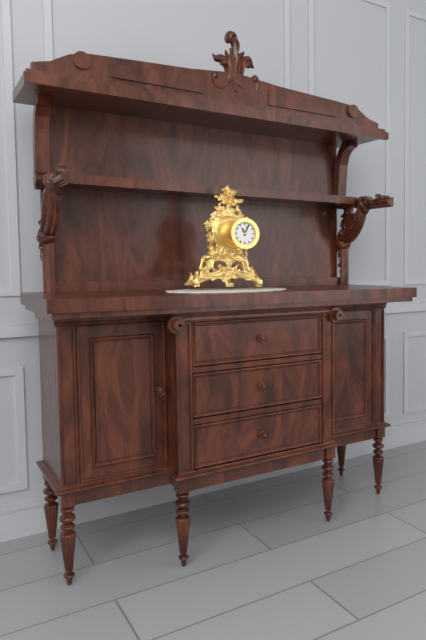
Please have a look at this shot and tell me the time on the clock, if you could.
11:04
